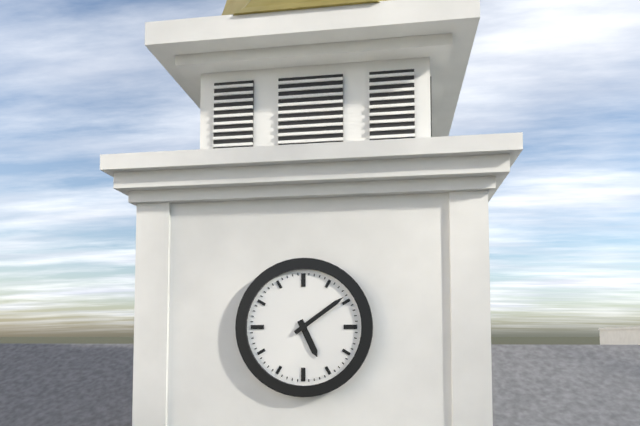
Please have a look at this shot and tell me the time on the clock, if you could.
5:09
